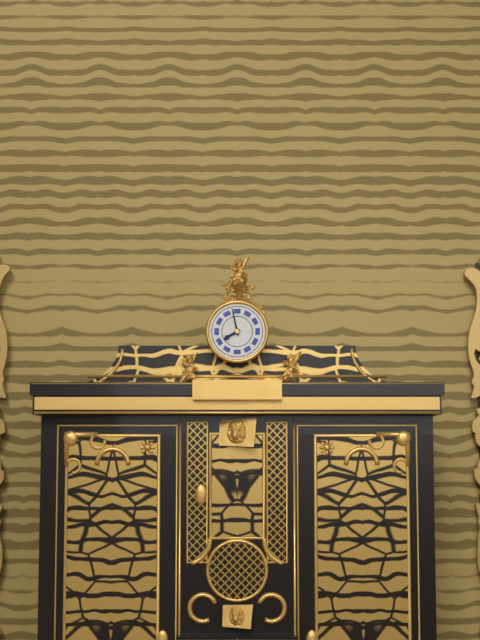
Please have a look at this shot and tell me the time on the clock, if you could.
7:58
